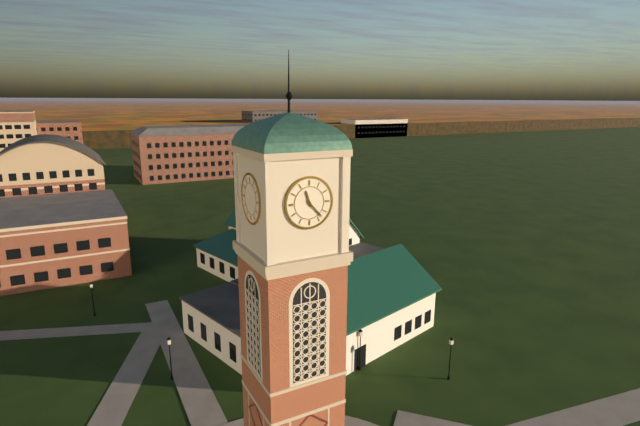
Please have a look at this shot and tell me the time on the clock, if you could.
11:23
